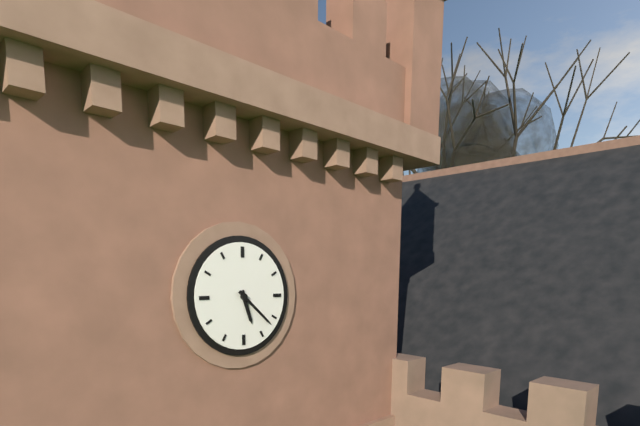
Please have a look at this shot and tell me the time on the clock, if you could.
5:22
